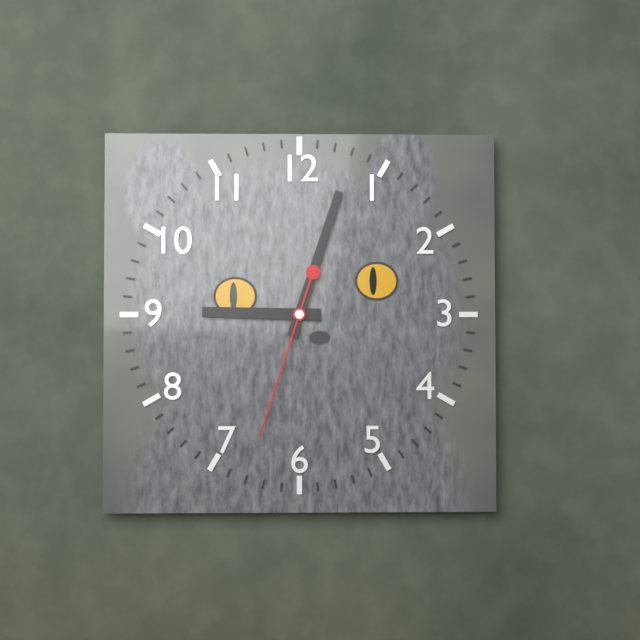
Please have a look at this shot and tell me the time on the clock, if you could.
9:03:33
